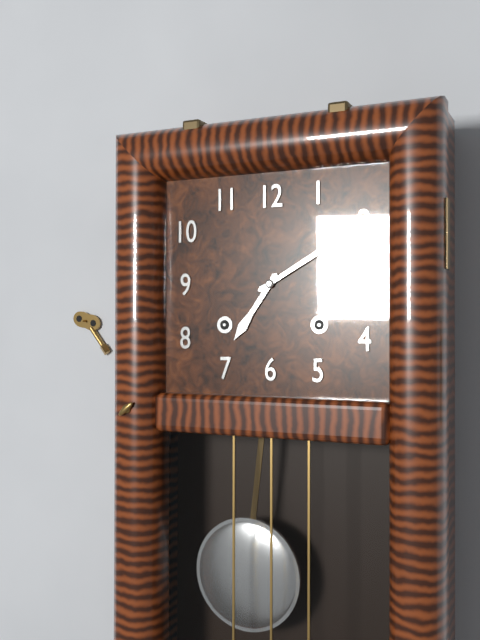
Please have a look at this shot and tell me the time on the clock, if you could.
7:10
